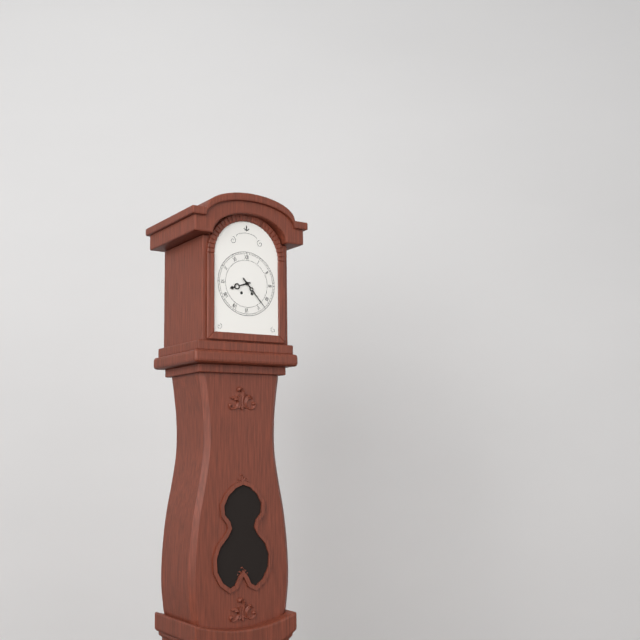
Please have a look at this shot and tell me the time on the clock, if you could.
8:23
